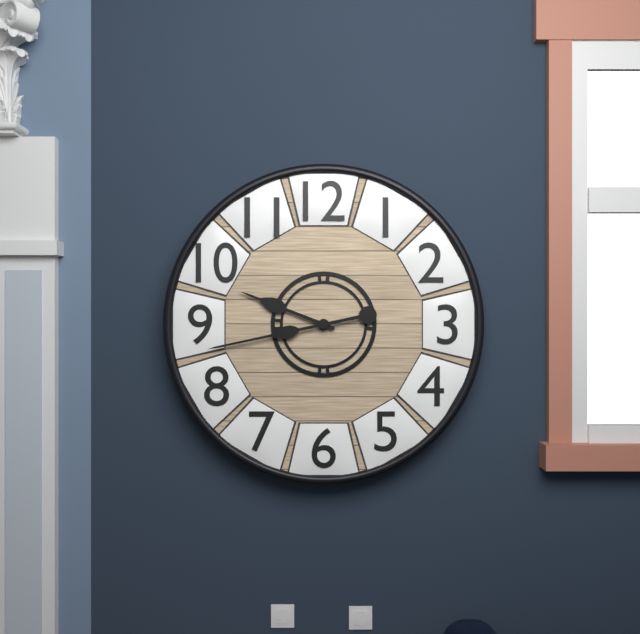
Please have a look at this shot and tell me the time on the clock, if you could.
9:43
